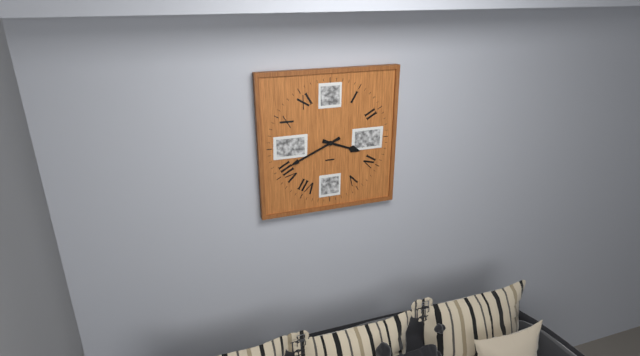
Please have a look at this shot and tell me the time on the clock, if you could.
3:41
